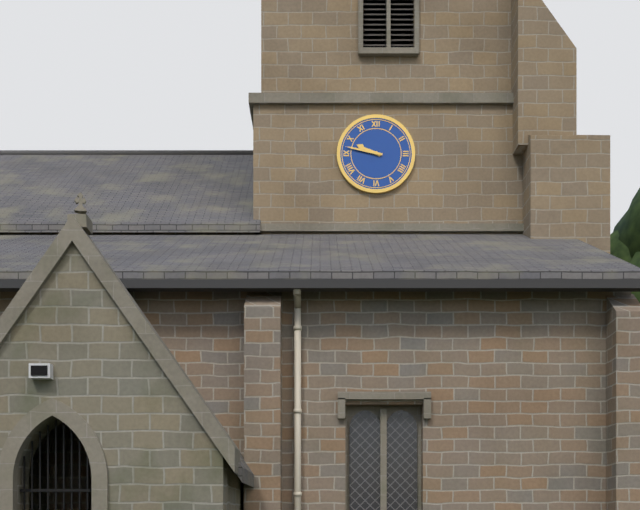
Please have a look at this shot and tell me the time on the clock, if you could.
9:47
